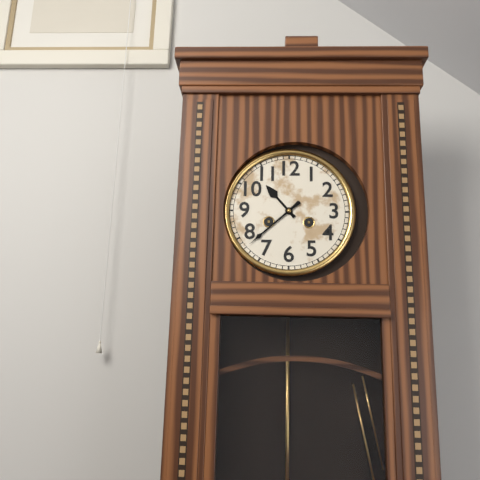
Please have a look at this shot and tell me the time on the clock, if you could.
10:38
